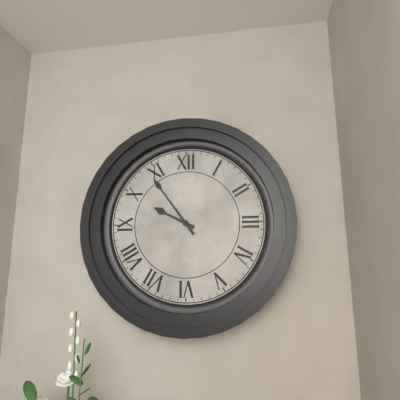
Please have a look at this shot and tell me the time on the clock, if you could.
9:54
